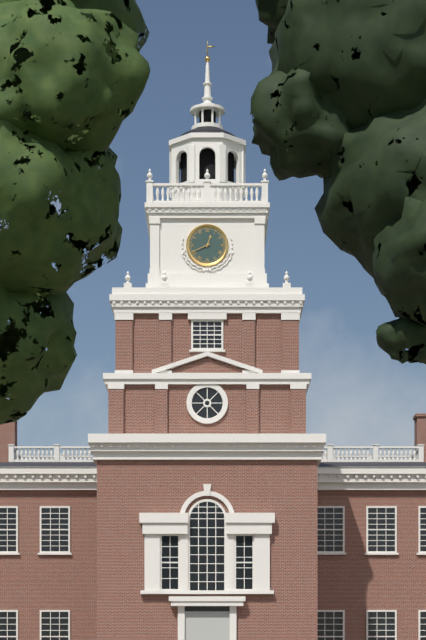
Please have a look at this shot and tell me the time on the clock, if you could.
12:41
